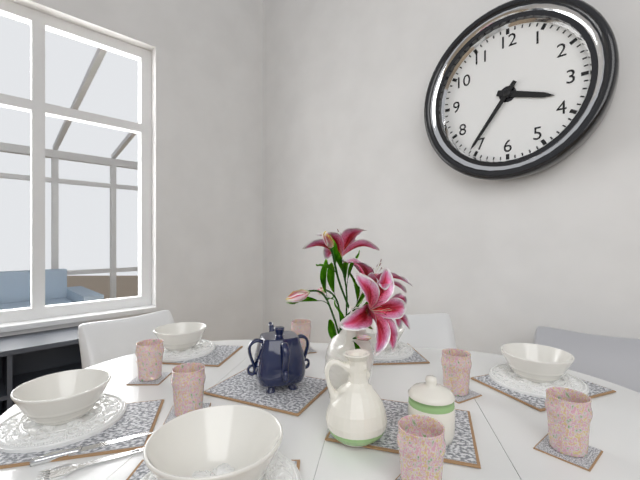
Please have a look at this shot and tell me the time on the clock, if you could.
3:36
